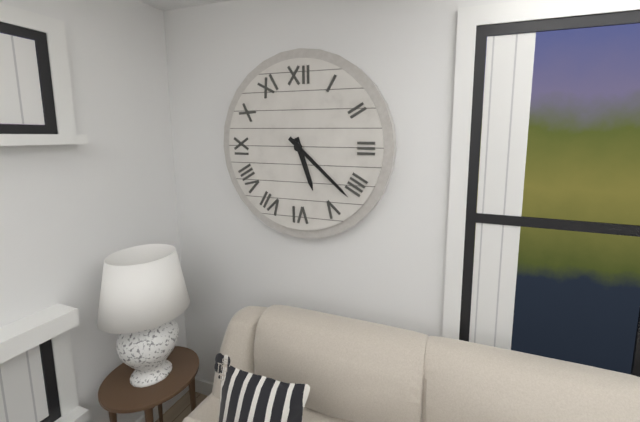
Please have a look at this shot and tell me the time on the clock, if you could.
5:22
